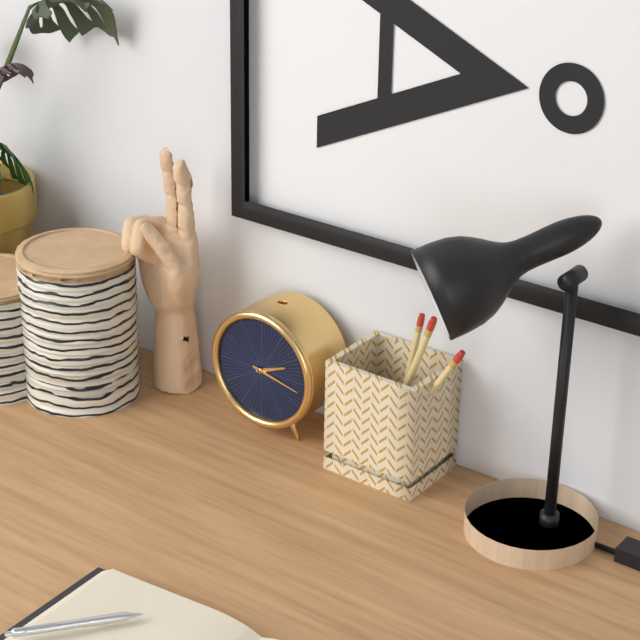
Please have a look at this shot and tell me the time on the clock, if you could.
2:17
